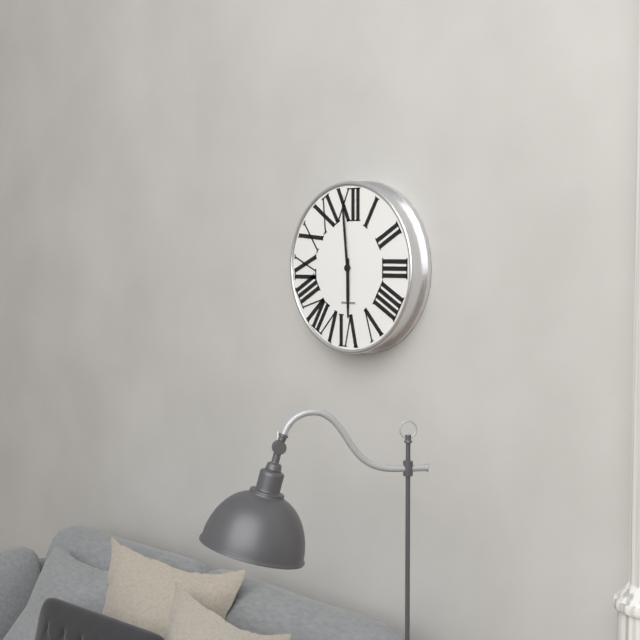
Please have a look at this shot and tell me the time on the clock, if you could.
5:59
